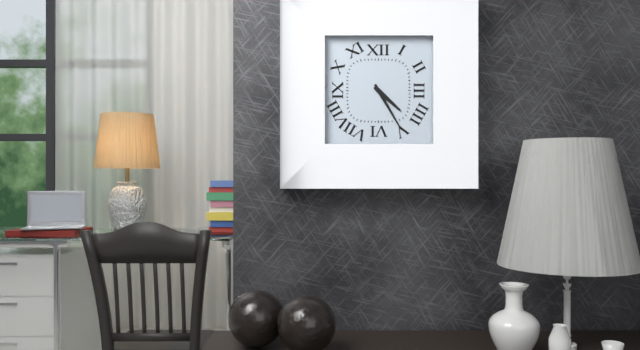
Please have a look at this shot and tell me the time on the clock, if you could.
4:25
